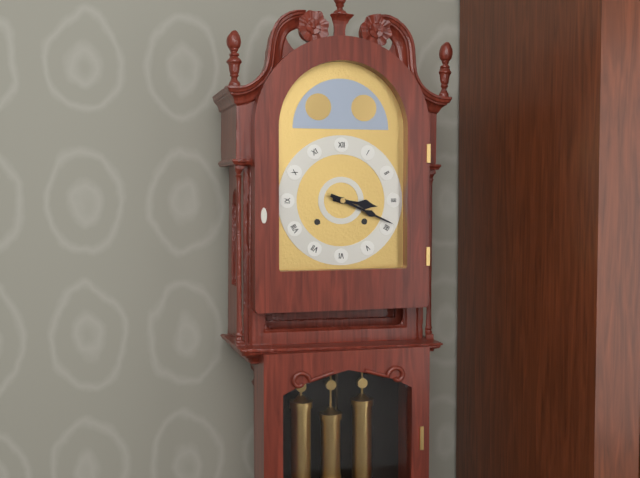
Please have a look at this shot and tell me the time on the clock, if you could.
3:19
